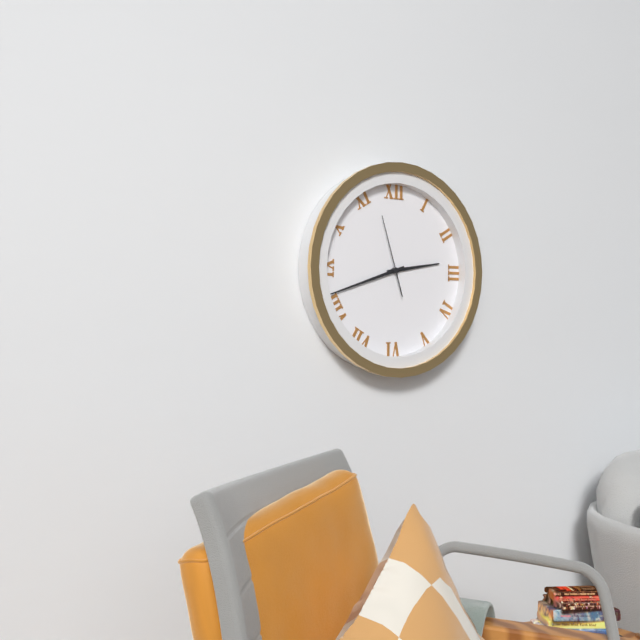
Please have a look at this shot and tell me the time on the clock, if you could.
2:42:57
